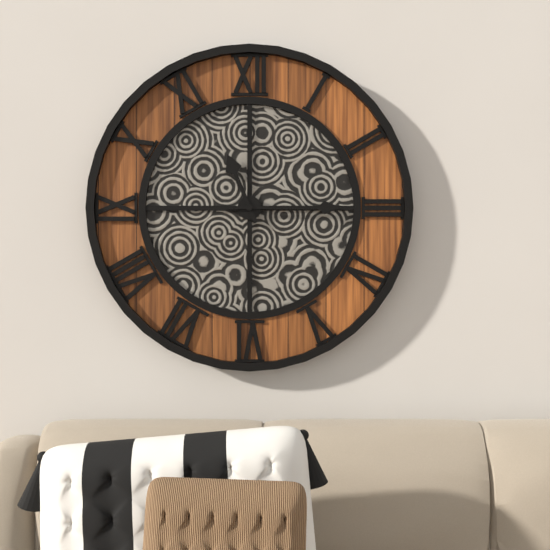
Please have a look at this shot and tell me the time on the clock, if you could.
11:15
